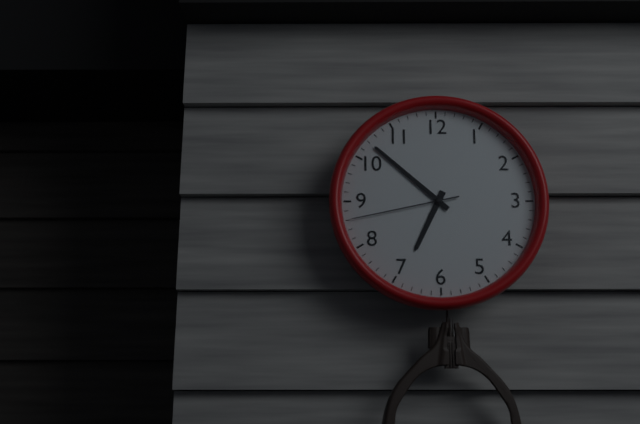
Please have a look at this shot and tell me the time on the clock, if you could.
6:52:43
